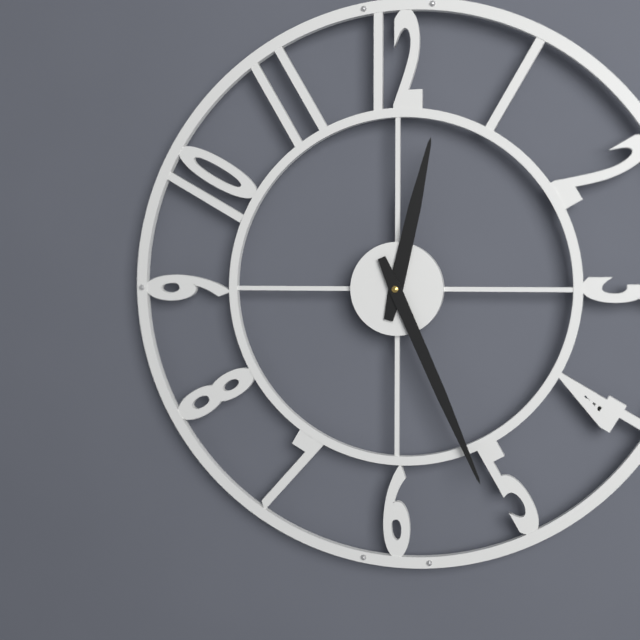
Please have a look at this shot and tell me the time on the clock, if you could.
12:26
